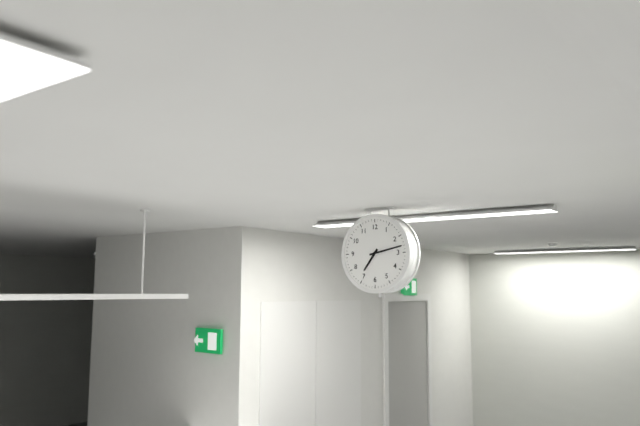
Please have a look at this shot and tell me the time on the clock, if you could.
7:13
